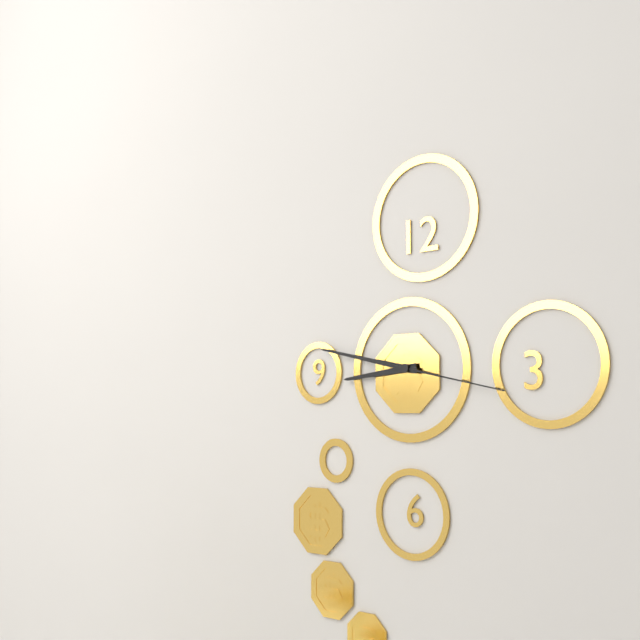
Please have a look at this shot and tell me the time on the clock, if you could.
8:47:17
